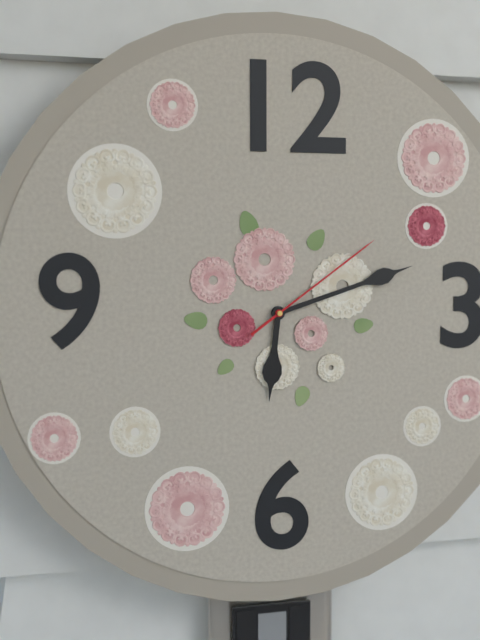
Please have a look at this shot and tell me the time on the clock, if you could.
6:12:09
